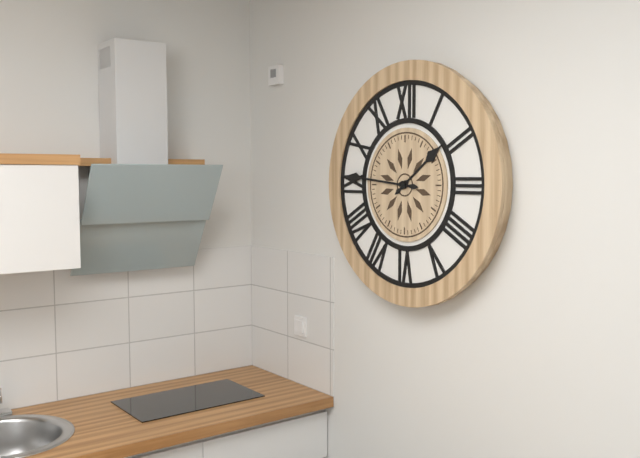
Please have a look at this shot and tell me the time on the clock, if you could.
1:46
